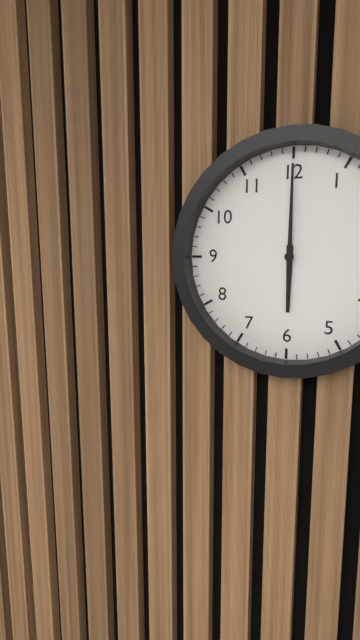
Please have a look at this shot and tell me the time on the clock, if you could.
6:00
